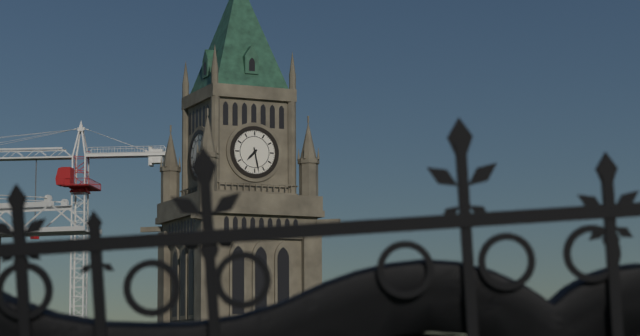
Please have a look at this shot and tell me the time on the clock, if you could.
7:28
